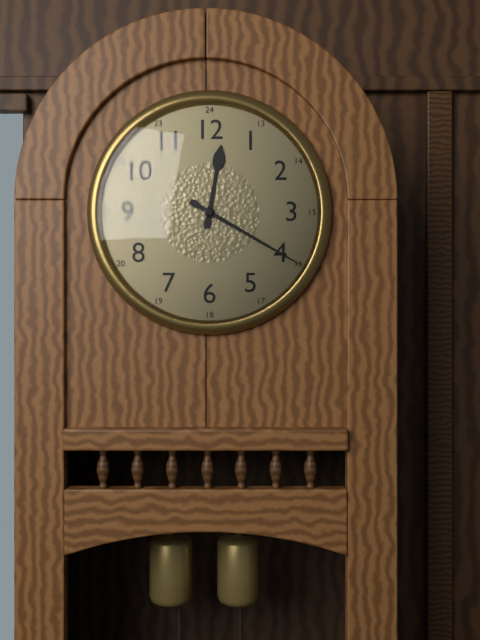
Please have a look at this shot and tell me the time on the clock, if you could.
12:20
